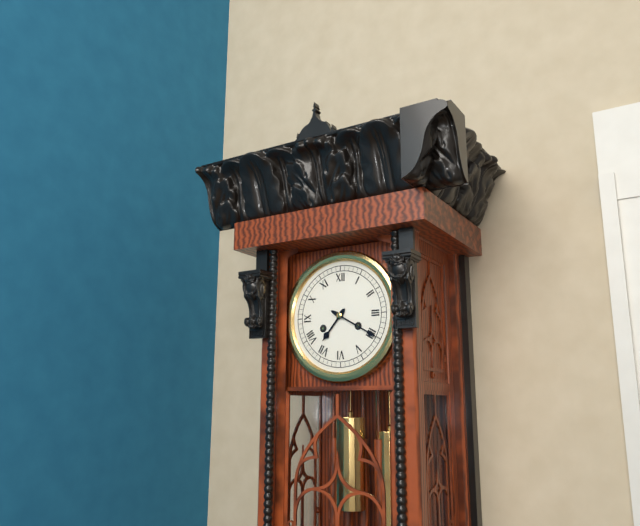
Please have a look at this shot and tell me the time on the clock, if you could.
7:20
